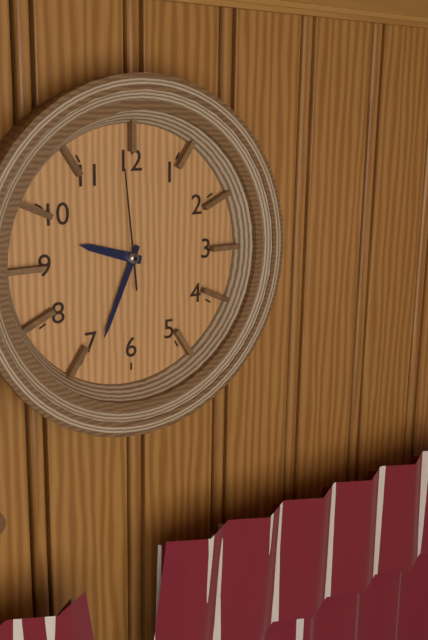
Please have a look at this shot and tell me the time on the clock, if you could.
9:34:59
